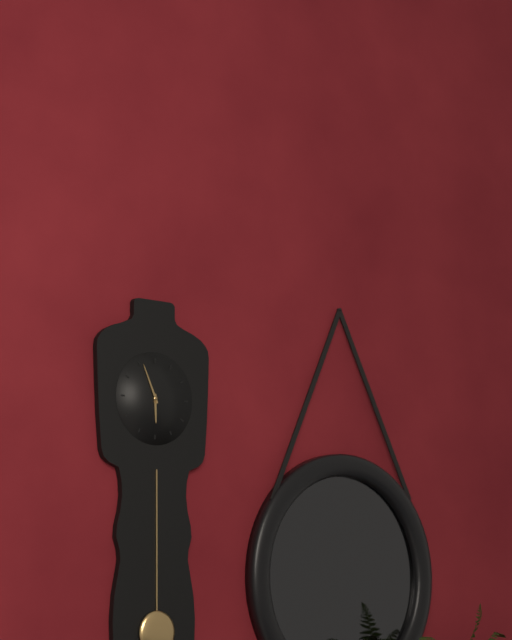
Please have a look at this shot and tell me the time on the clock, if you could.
5:56
